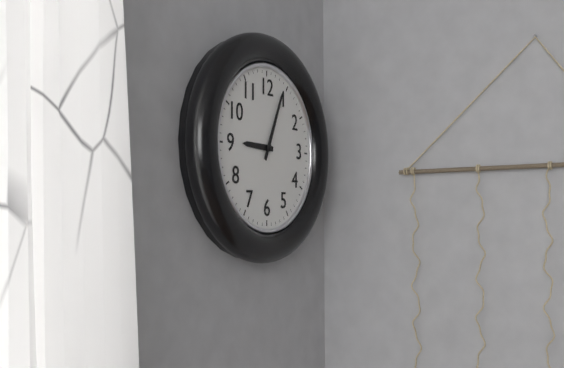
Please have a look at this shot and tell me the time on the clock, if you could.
9:04
